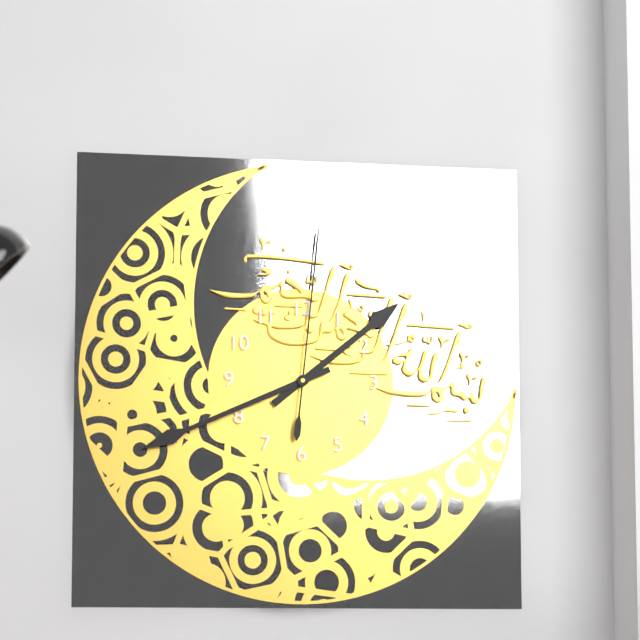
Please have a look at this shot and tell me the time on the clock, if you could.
1:41:01
